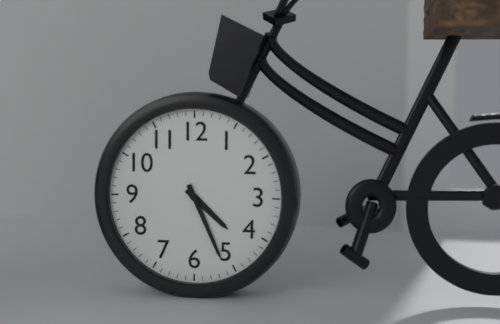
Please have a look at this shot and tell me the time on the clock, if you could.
4:26
